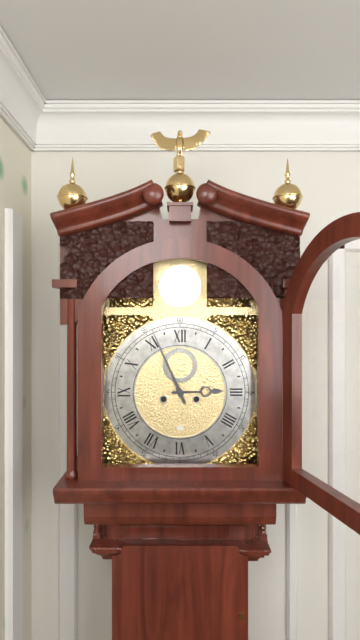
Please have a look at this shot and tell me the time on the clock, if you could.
2:56
